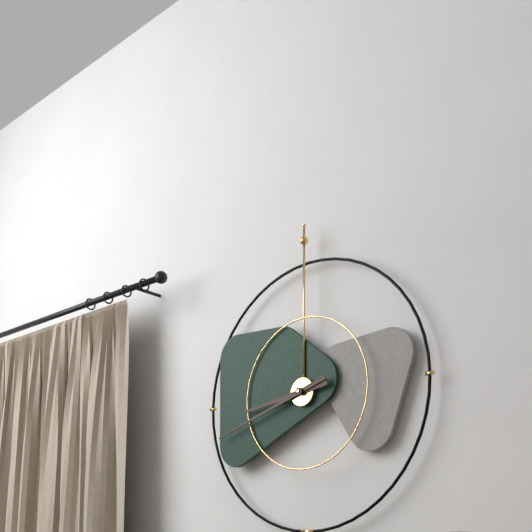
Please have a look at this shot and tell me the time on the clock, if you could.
8:42
